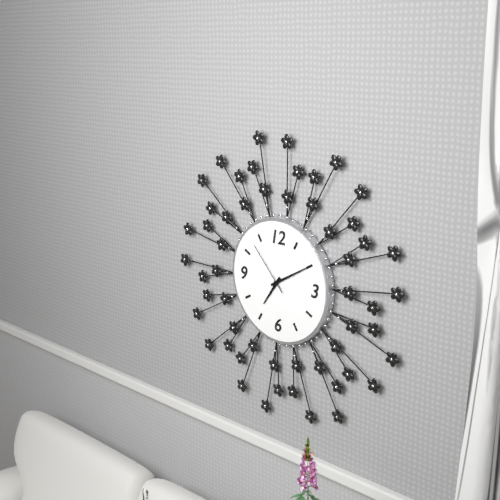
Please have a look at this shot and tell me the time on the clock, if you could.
7:10:53
